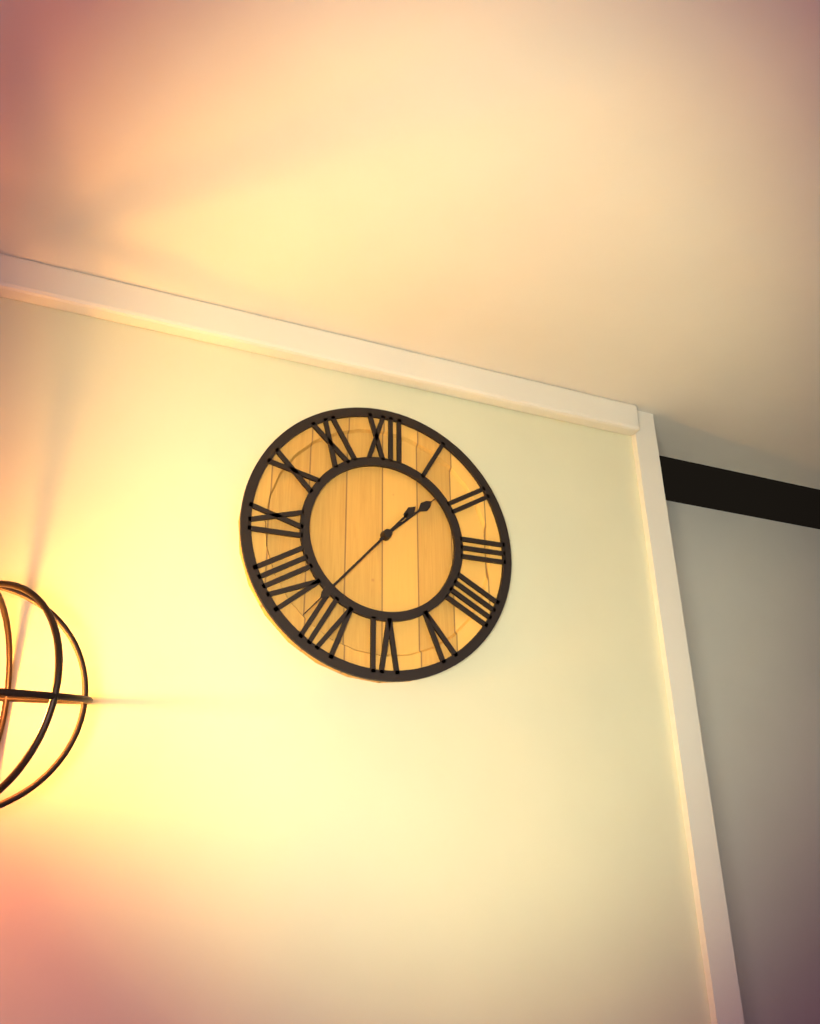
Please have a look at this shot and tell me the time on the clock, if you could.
1:37
